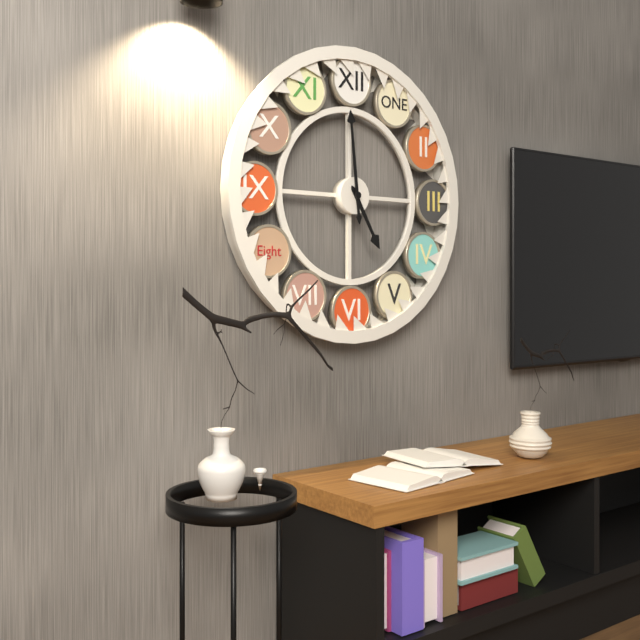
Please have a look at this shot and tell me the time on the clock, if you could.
4:59
